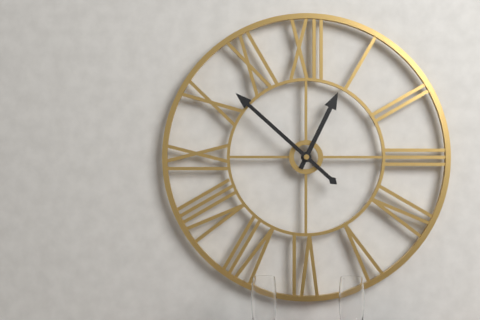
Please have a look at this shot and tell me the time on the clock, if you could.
12:52
